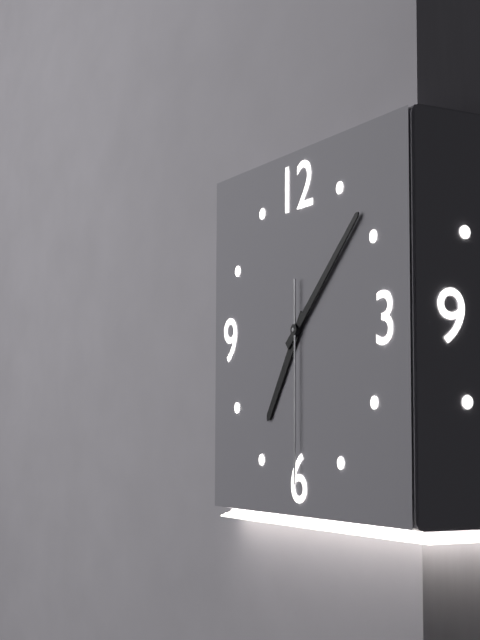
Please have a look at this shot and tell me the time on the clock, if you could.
7:08:30
